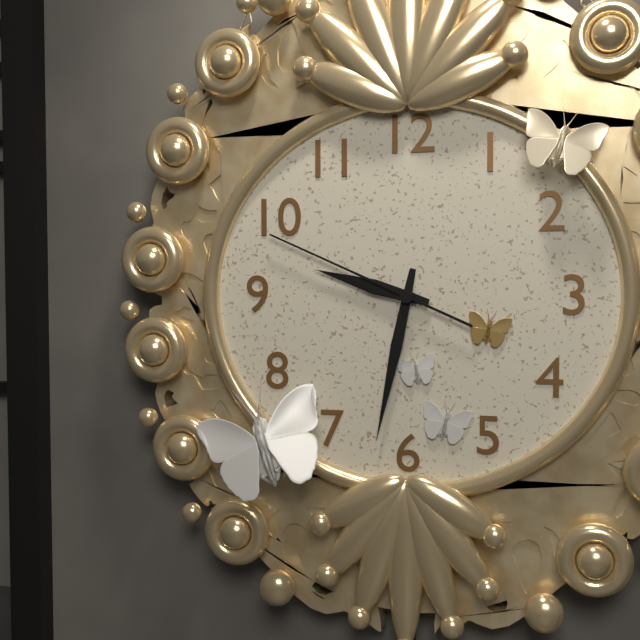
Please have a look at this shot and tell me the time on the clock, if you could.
9:32:49
